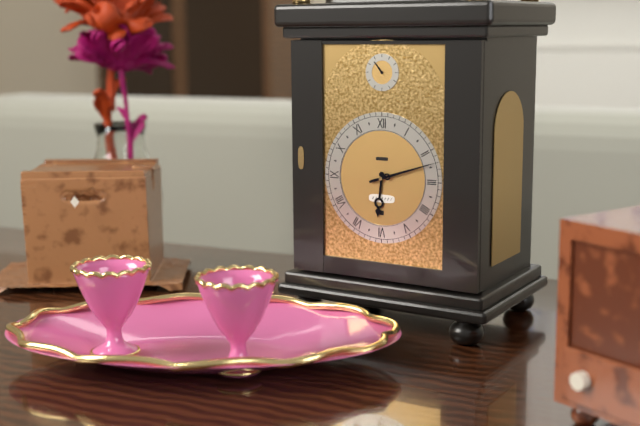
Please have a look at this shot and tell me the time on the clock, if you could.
6:12
